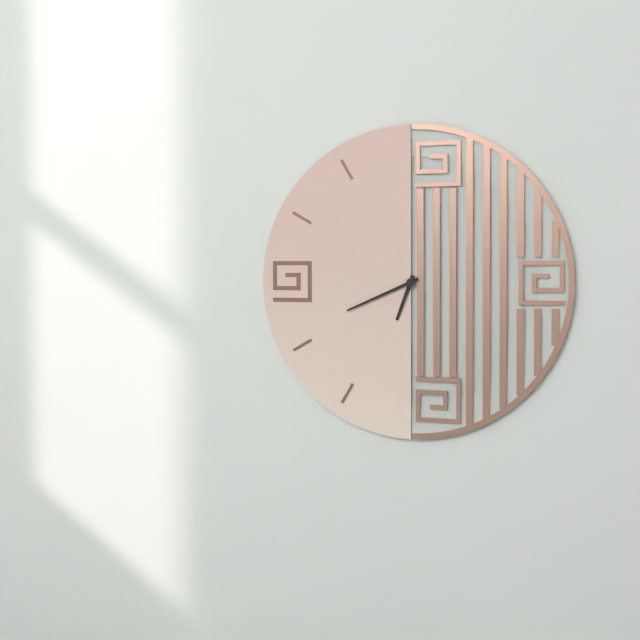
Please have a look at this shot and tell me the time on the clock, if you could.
6:41
